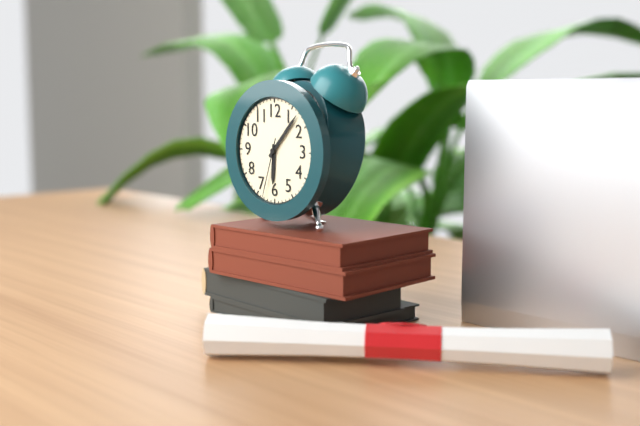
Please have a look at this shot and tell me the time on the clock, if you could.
6:07:33
